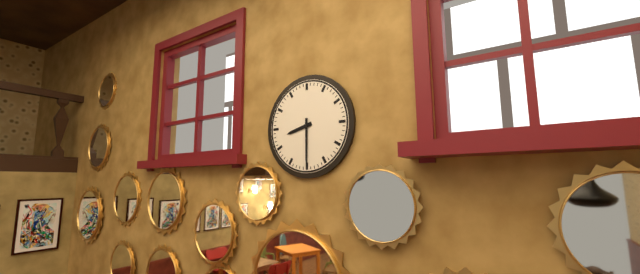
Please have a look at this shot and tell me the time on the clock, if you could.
8:30
